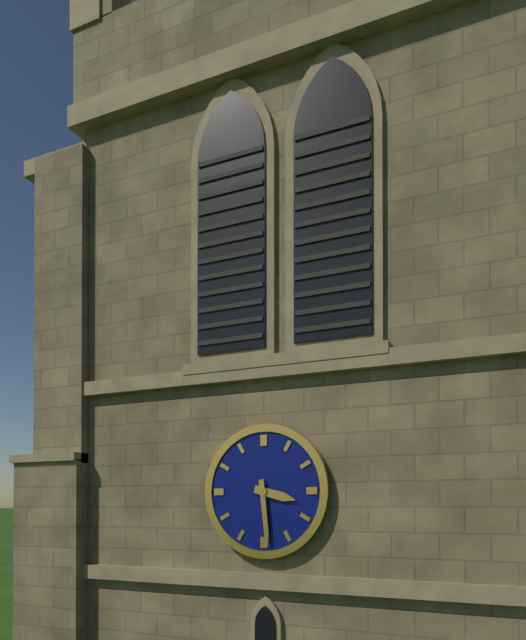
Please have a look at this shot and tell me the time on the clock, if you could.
3:29
